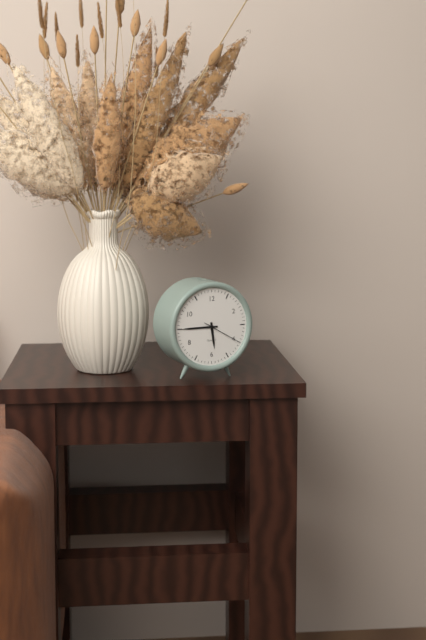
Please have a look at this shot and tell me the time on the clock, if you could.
5:45
